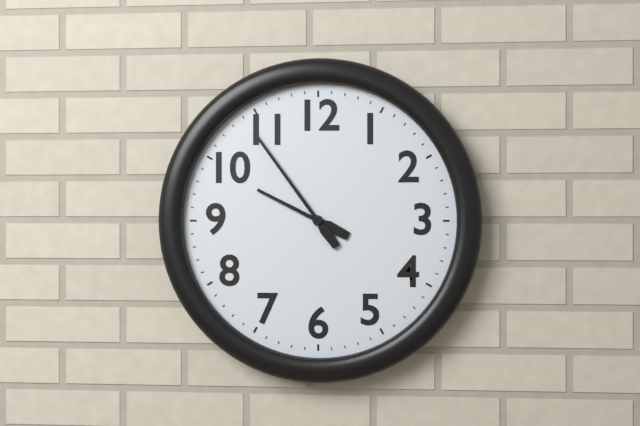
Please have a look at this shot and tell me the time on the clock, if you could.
9:54
